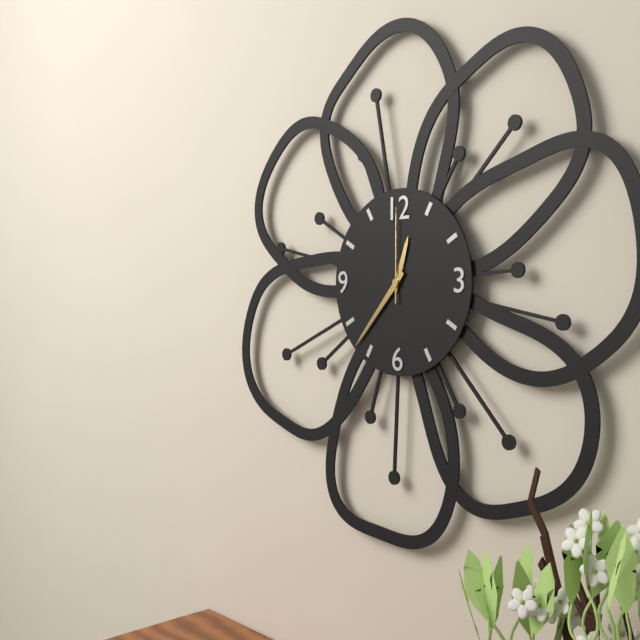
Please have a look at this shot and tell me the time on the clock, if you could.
12:37:00
